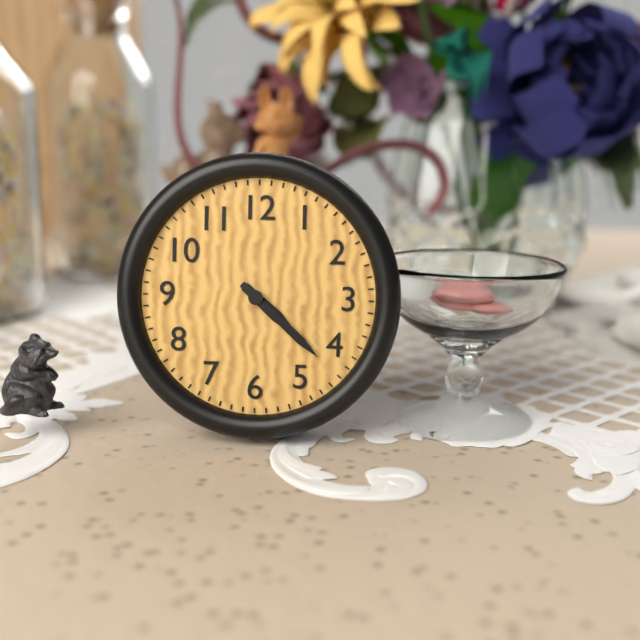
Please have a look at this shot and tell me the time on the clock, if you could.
4:22
